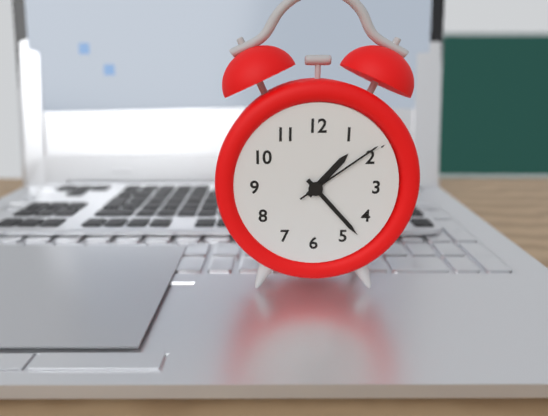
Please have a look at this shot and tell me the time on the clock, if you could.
1:23:09
